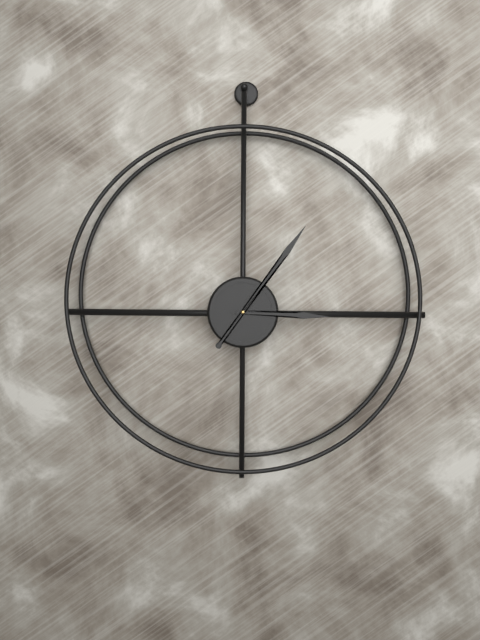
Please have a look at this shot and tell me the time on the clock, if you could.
3:06
